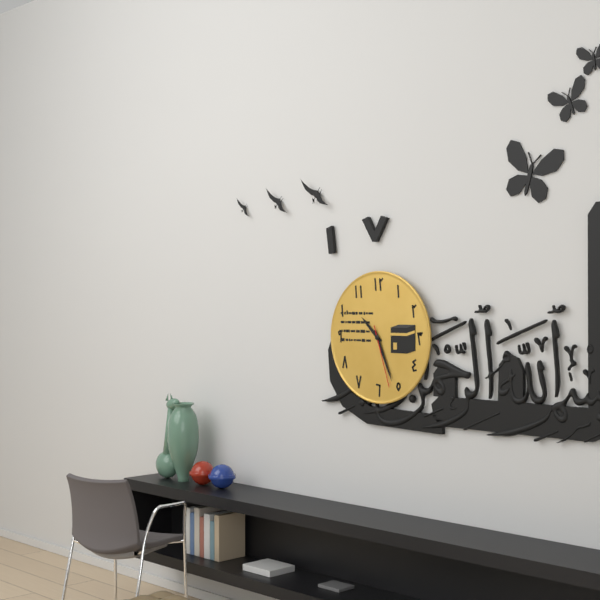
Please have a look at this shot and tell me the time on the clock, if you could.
10:26:27
